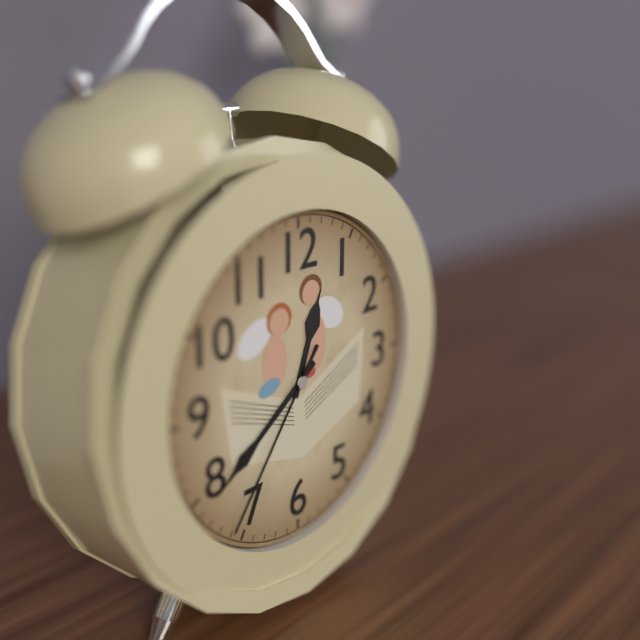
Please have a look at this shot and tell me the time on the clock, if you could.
12:39:36
